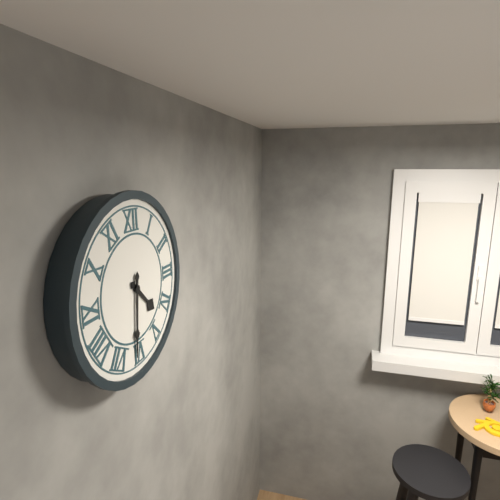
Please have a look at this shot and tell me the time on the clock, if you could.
4:31
